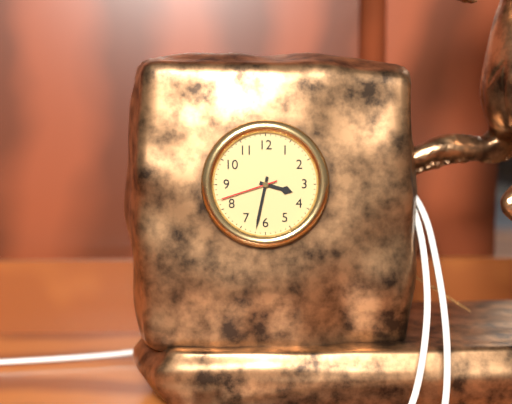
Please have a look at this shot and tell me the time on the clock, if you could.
3:32:42
